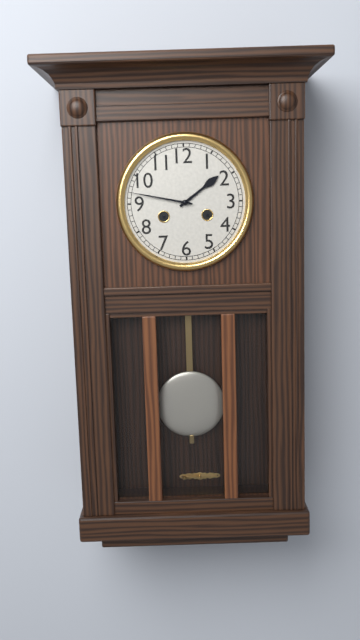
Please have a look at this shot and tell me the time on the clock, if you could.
1:47
